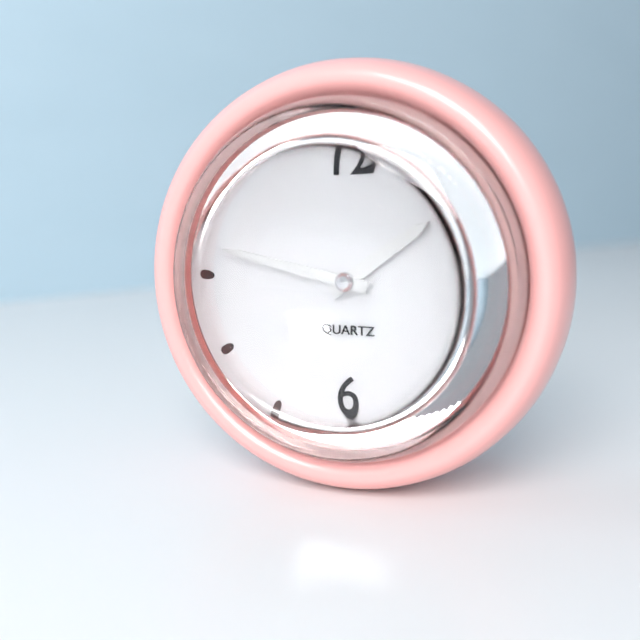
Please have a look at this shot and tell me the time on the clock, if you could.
1:47
